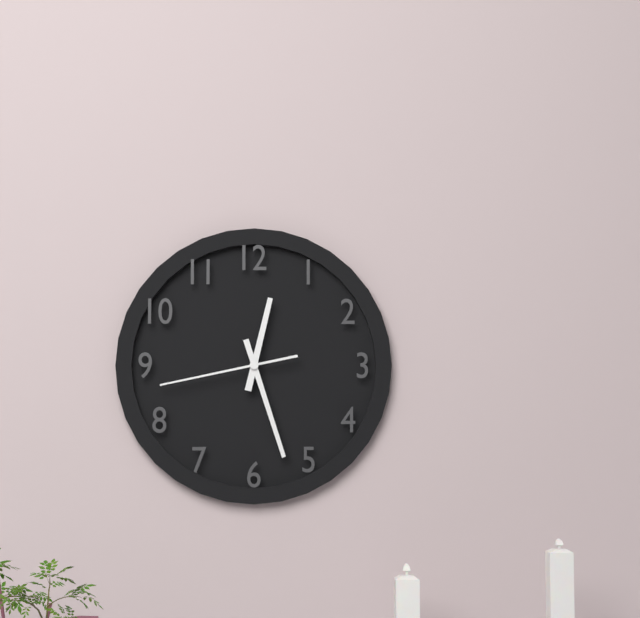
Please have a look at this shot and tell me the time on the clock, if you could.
12:27:43
